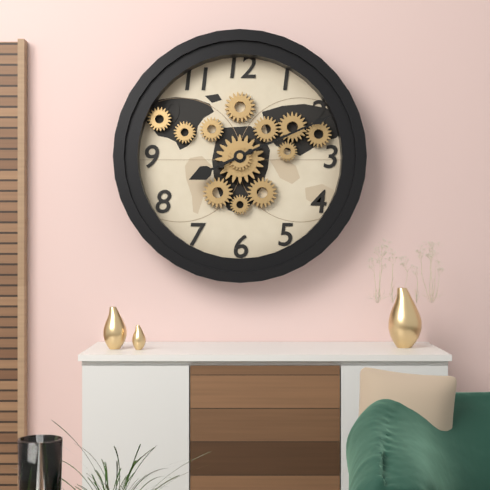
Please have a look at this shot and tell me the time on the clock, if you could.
8:11
